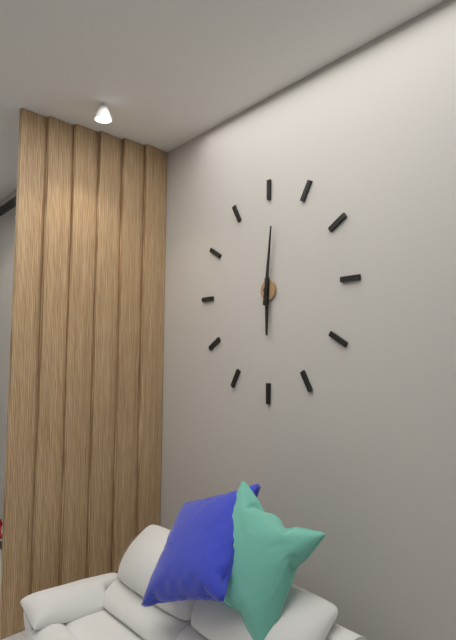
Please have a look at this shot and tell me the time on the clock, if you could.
6:01
